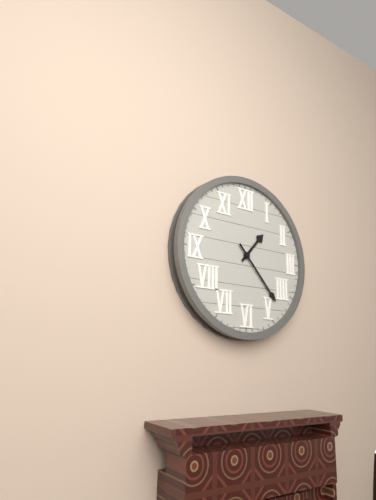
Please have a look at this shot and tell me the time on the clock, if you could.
1:23
